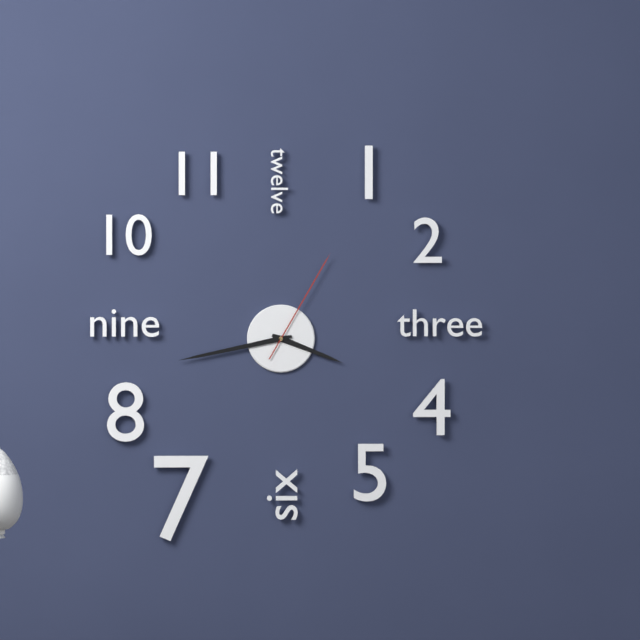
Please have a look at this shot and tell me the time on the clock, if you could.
3:43:05
